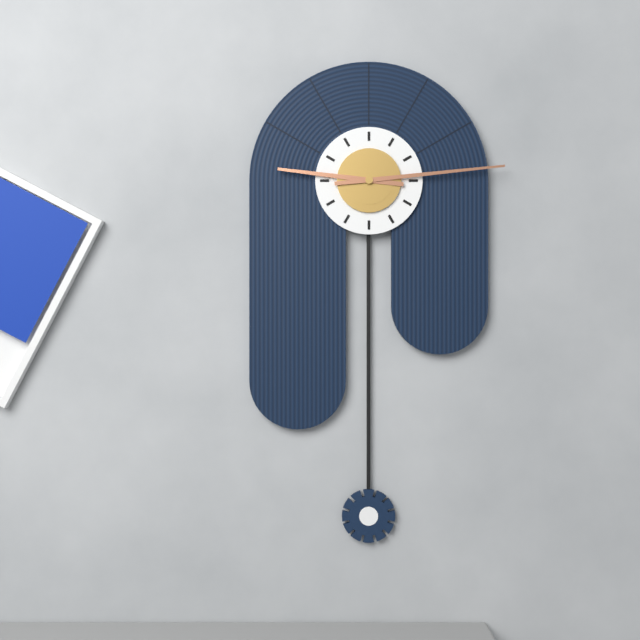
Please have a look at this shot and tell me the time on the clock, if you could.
9:14
